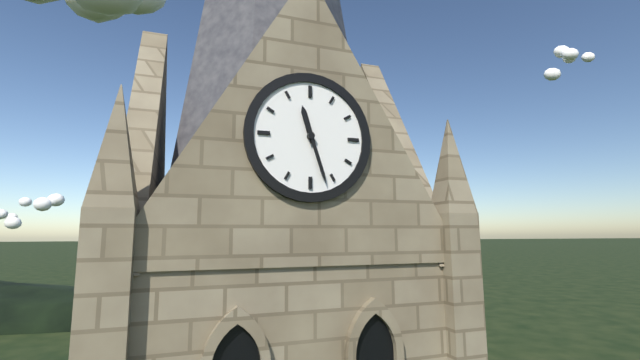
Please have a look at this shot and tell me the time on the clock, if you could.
11:27
